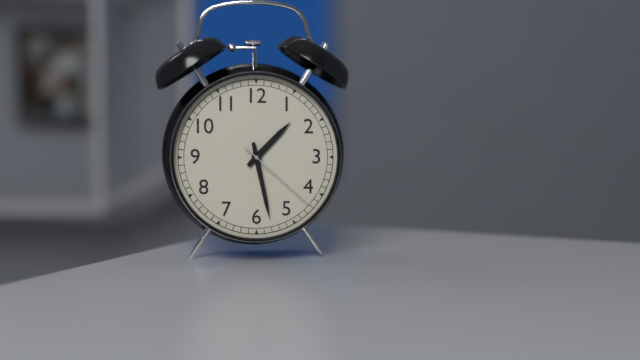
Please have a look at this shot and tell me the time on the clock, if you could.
1:28:22
